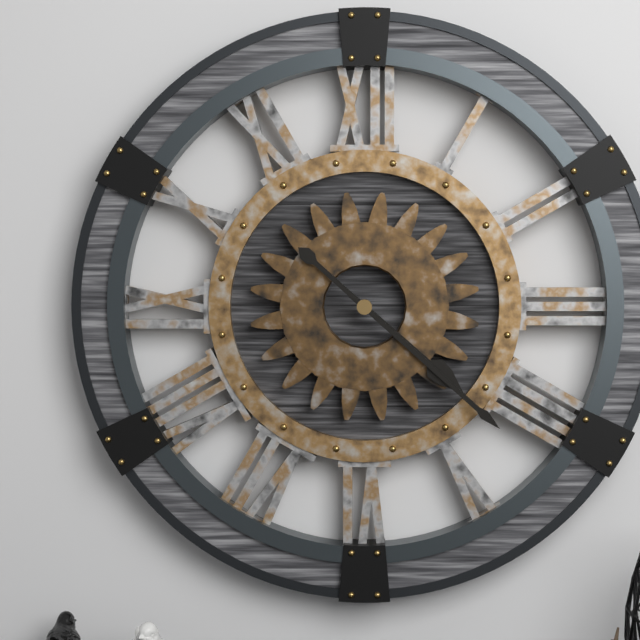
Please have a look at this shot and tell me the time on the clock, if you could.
4:22
